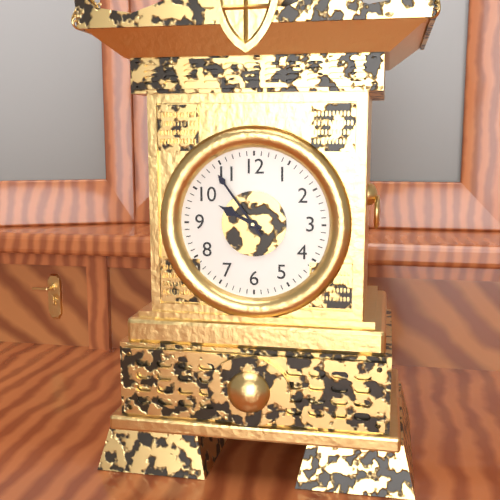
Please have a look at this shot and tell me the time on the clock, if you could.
9:54
